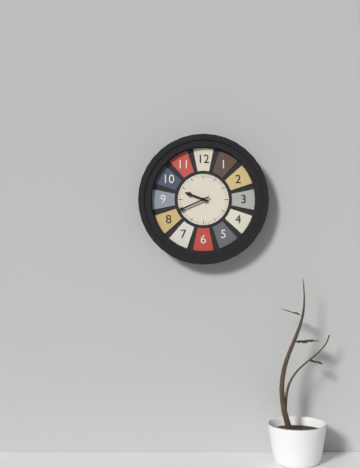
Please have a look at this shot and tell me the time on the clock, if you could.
9:41
